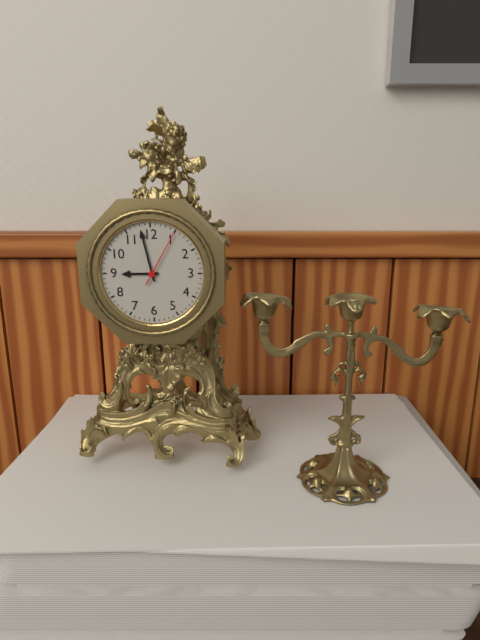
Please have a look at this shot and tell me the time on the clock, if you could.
8:58:05
